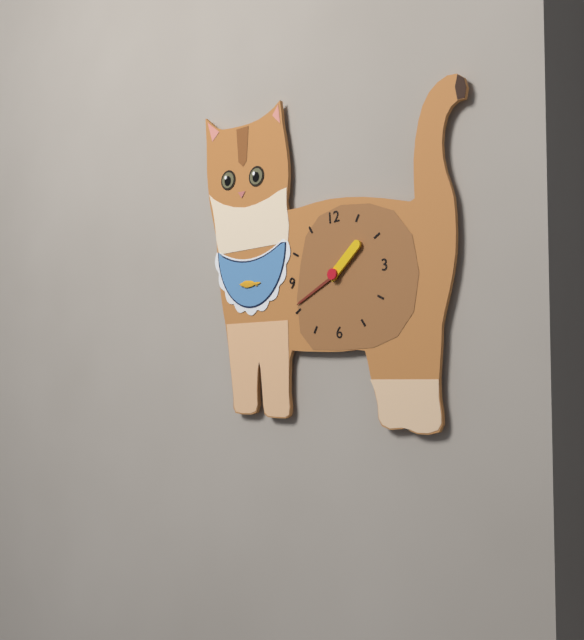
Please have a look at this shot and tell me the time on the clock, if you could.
1:41
